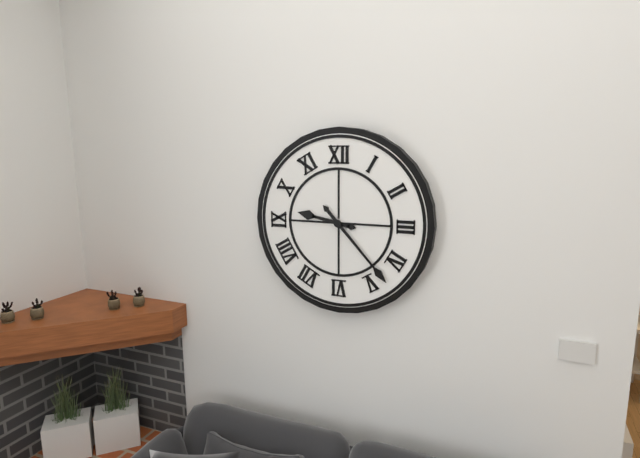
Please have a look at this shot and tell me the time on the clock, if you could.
9:23
